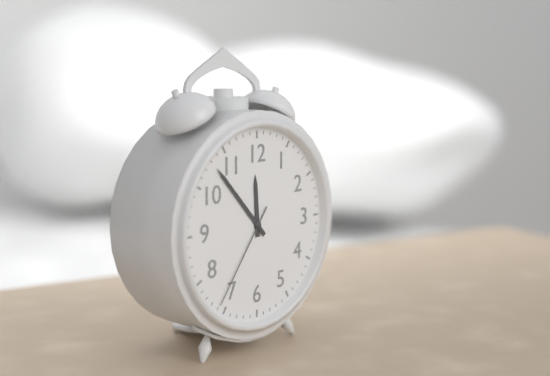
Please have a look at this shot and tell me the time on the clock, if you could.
11:53:36
